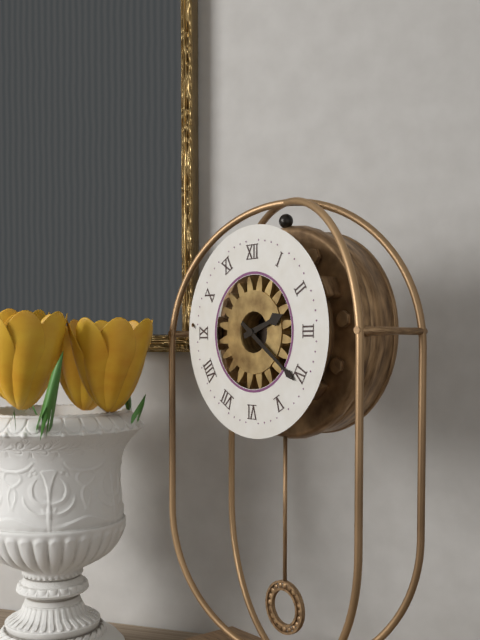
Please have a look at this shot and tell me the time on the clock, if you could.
2:21
